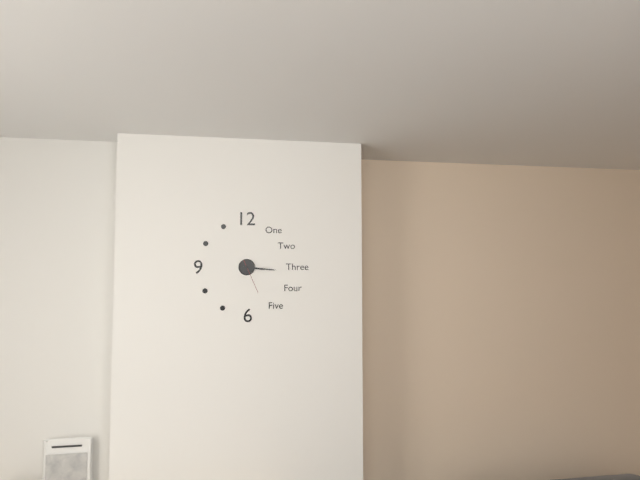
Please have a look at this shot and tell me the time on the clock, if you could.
3:16
